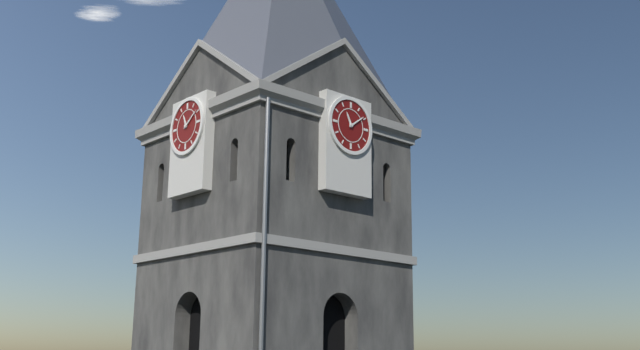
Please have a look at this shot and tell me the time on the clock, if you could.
11:09
